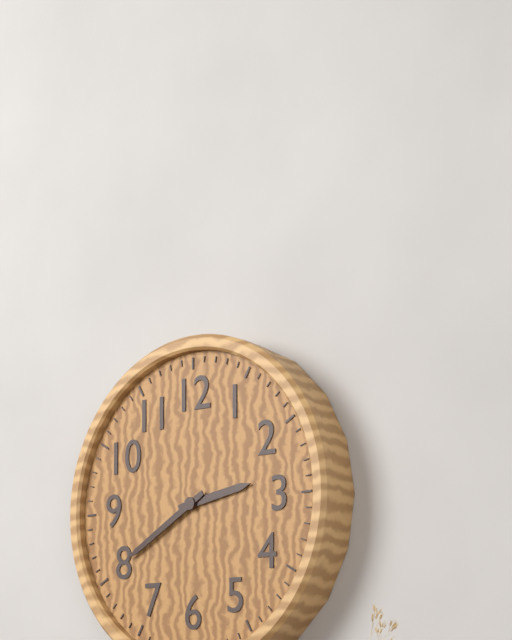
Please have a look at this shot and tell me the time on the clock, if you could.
2:40
